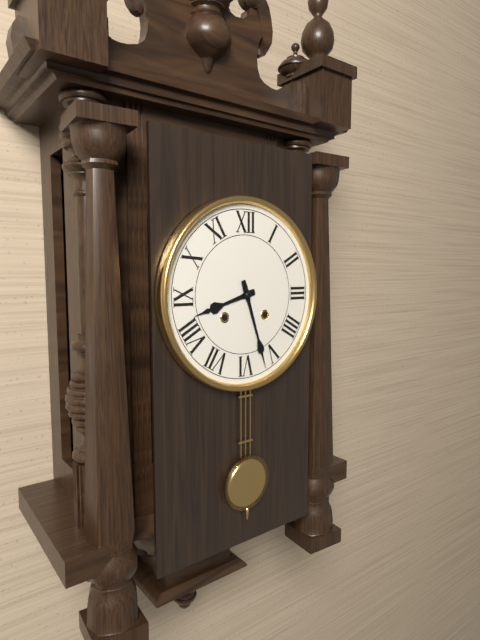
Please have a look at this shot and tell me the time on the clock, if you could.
8:27
